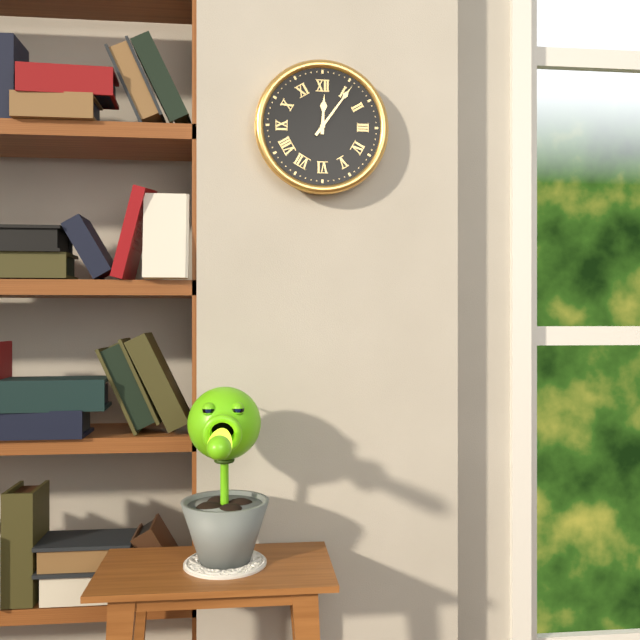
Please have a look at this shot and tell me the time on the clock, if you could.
12:06
